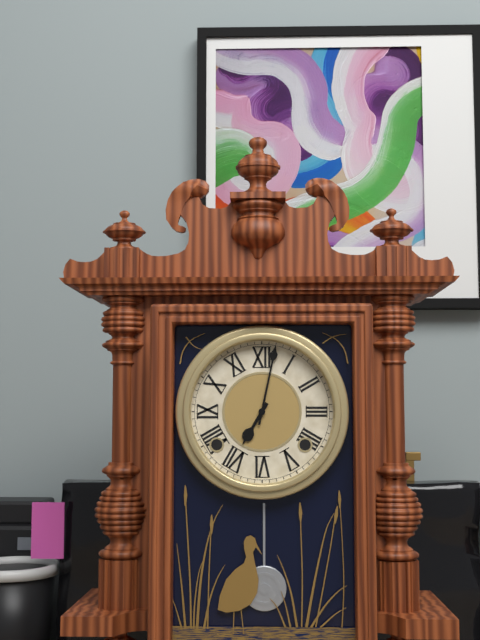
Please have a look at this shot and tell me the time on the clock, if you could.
7:02
